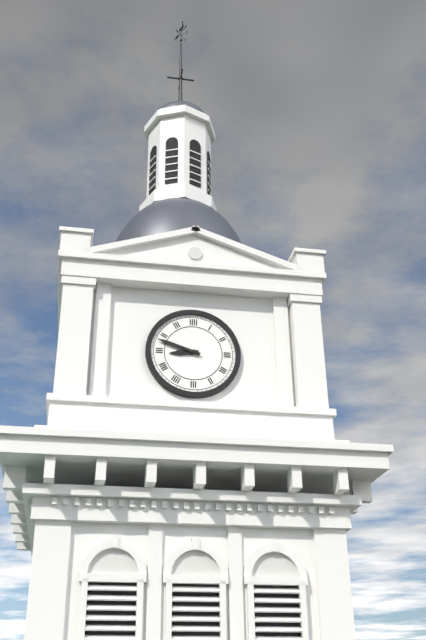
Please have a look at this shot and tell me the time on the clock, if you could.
8:48
